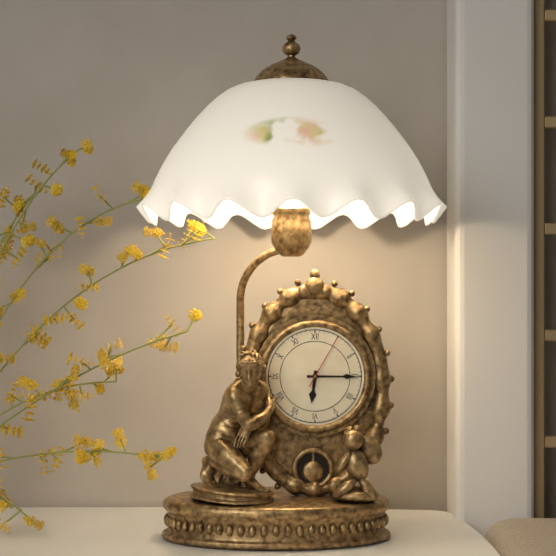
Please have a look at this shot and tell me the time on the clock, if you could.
6:15:05
